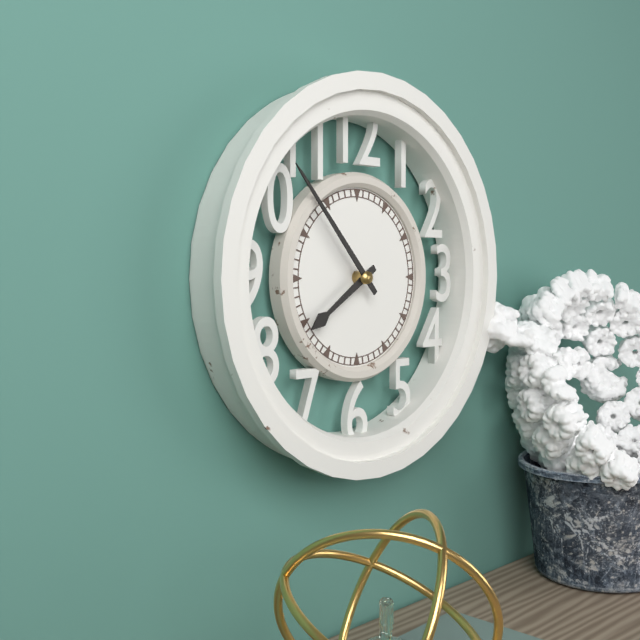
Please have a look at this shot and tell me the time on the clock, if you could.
7:53
